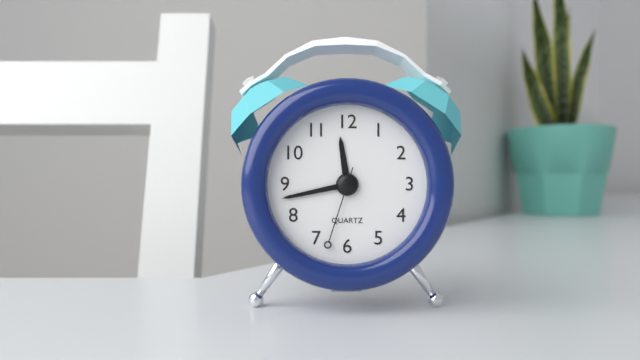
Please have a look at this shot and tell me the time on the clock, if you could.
11:43:33
